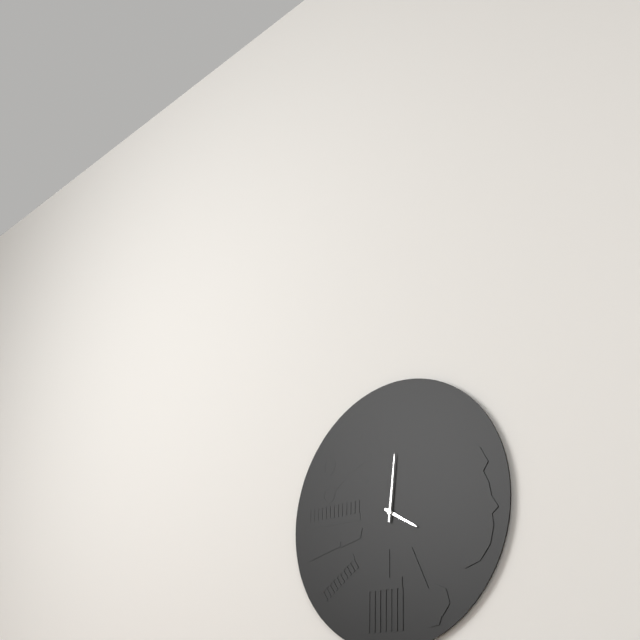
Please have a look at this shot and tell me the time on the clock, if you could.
4:01
